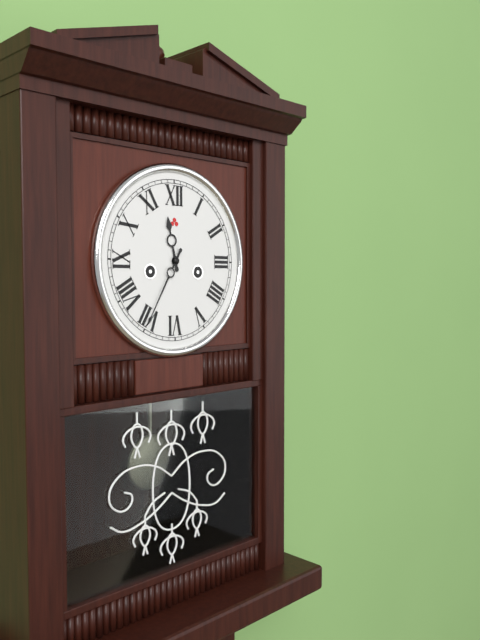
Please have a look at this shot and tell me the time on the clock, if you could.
11:35
